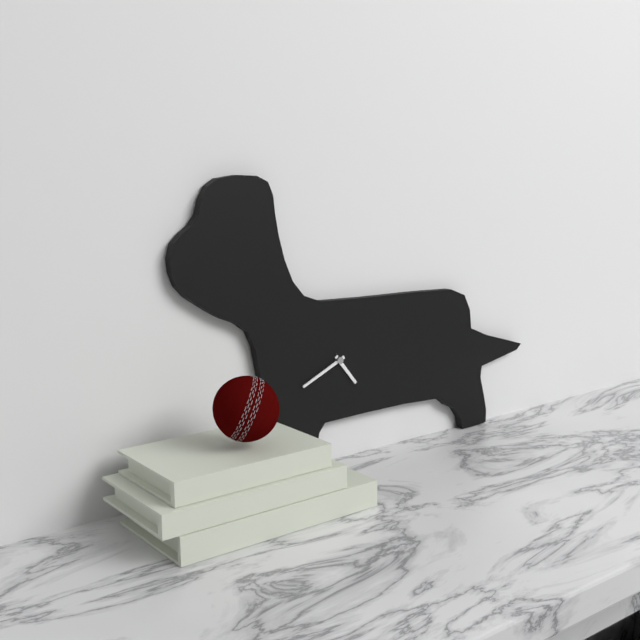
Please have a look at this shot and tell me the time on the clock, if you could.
4:41
